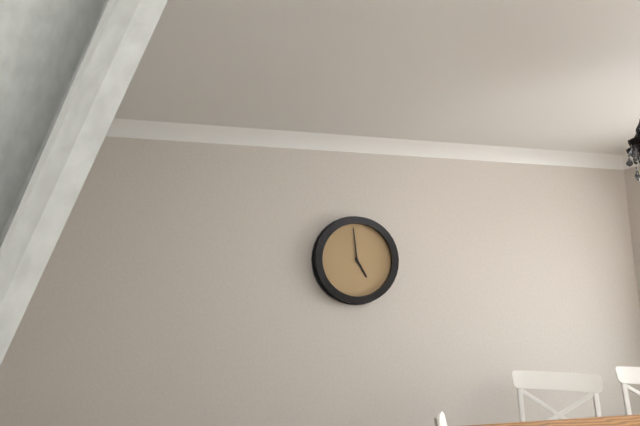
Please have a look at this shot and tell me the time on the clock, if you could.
4:59
